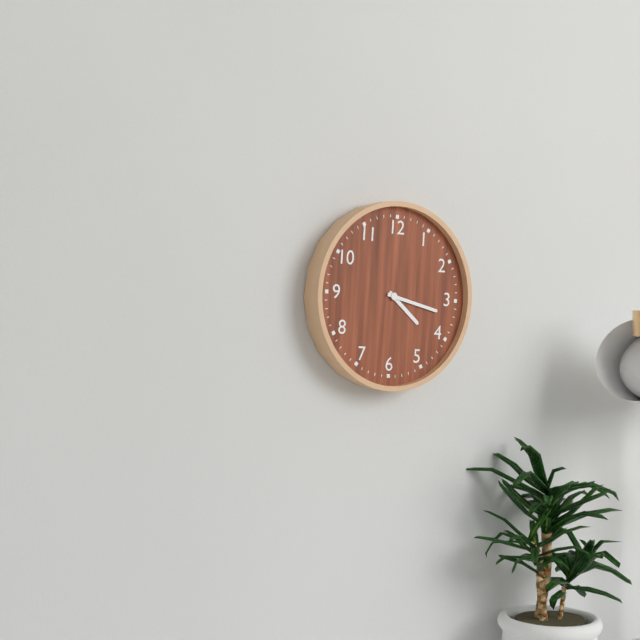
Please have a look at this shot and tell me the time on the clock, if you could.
4:17
